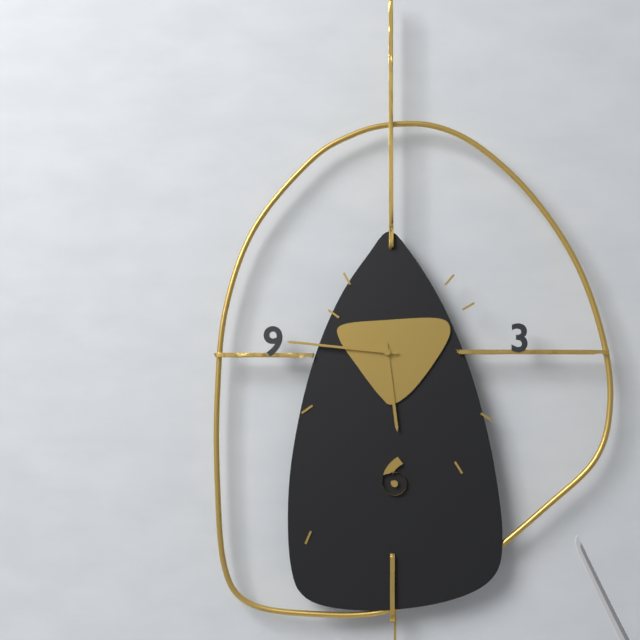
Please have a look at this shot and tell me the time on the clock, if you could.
5:46
